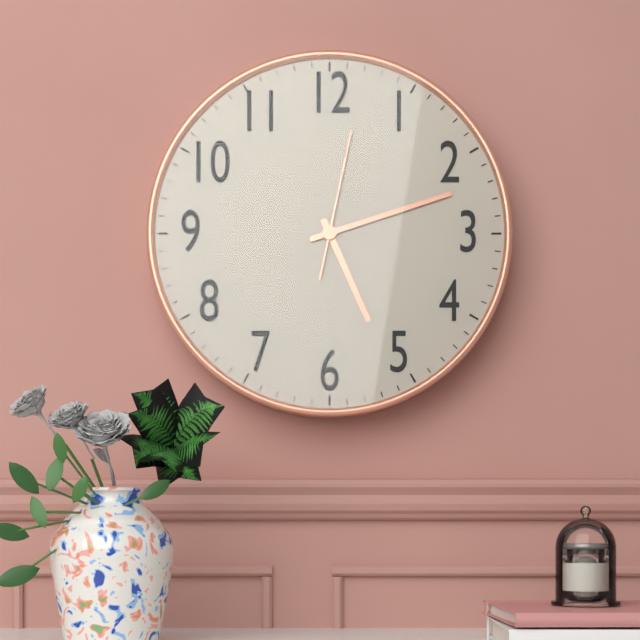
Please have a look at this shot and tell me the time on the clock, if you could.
5:12:02
